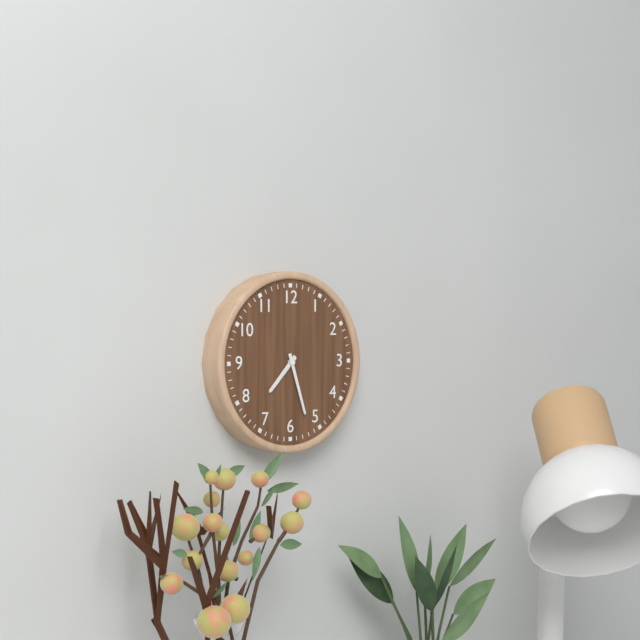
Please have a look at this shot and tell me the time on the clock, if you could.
7:27
